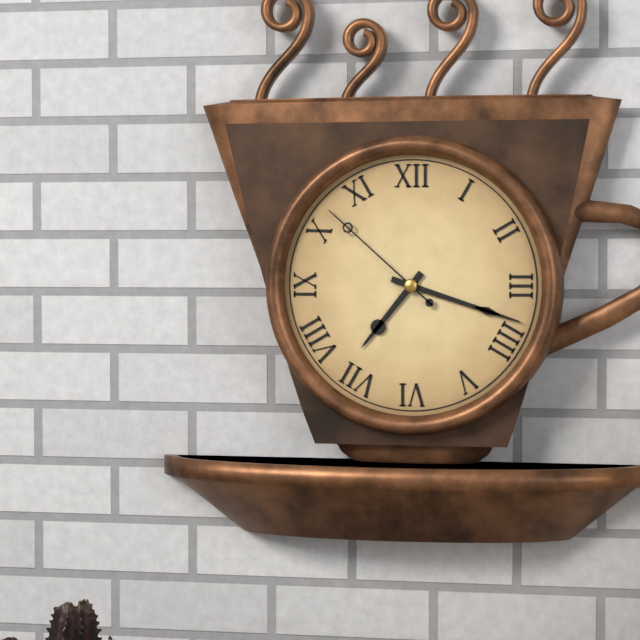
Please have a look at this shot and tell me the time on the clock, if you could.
7:18:52
